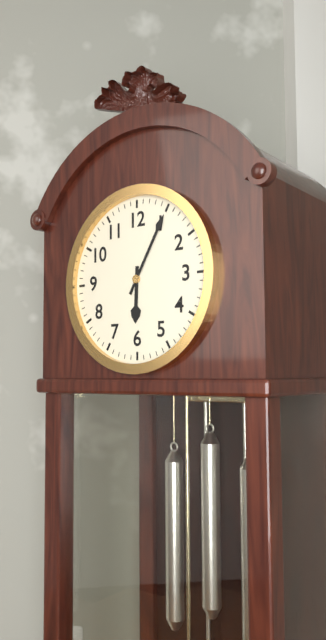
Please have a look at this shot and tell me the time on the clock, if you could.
6:05
